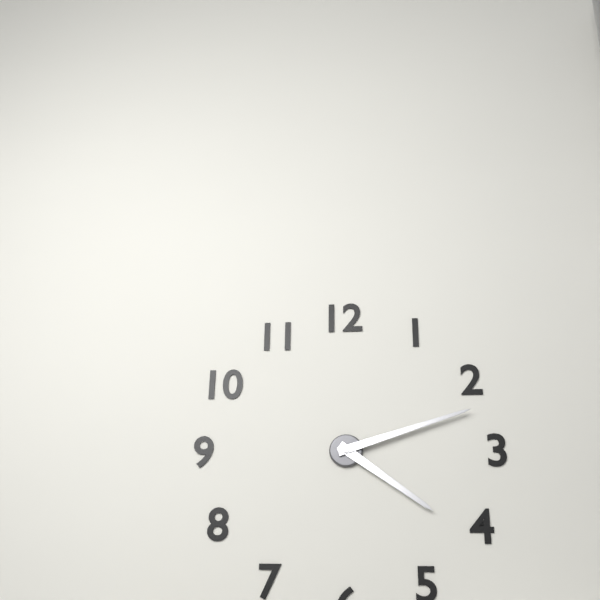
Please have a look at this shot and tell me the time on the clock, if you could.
4:12
